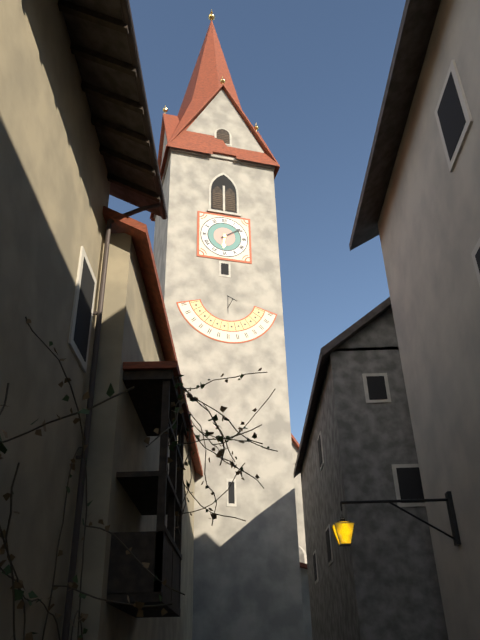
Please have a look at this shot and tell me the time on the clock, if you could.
6:09
